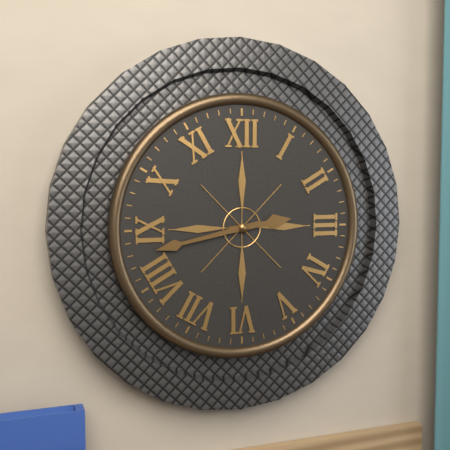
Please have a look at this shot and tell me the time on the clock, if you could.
2:43
